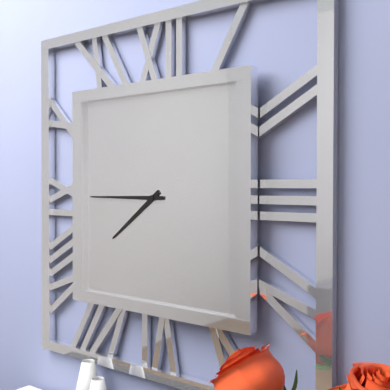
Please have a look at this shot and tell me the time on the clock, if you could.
7:45
